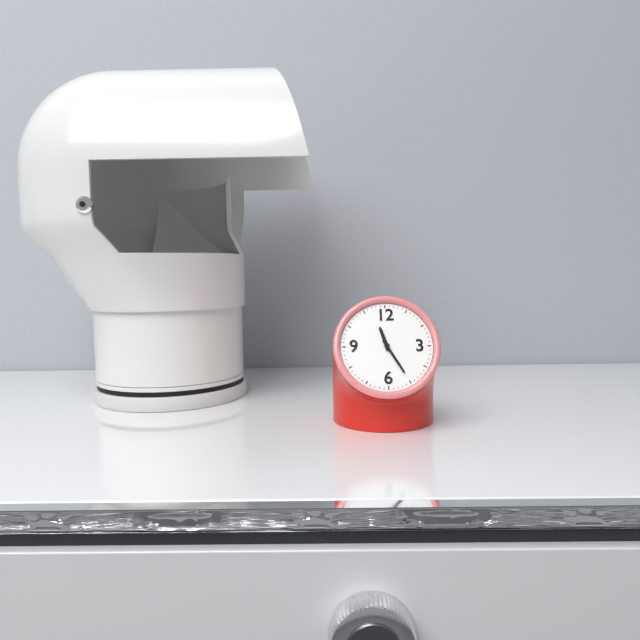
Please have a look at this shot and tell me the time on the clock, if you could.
11:25
